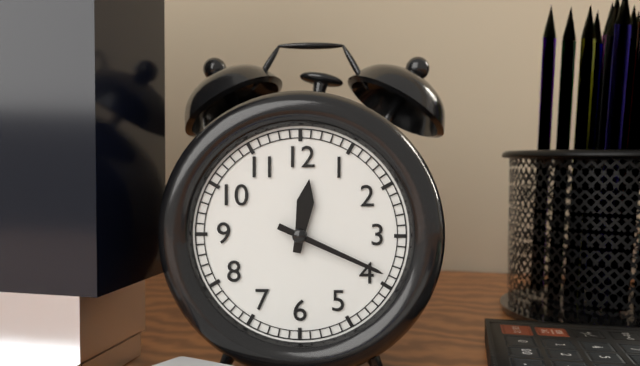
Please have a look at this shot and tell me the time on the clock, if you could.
12:19
